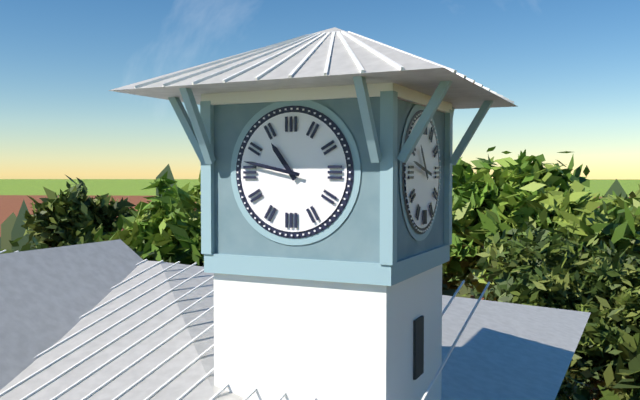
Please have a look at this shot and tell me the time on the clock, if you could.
10:47
